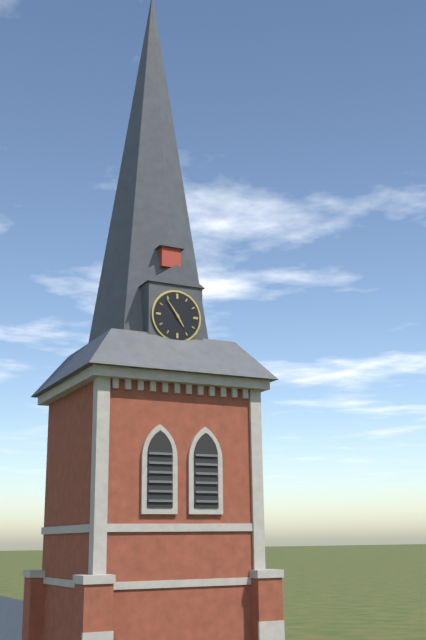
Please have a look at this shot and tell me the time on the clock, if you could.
4:54
